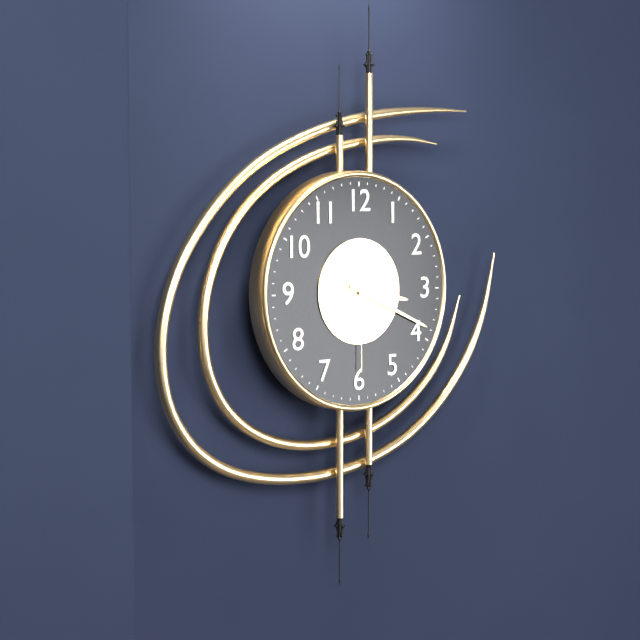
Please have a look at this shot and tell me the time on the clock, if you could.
3:19:30
